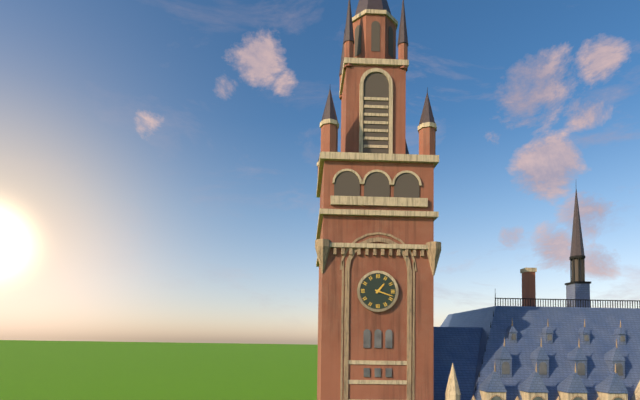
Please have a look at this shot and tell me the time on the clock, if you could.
1:18
